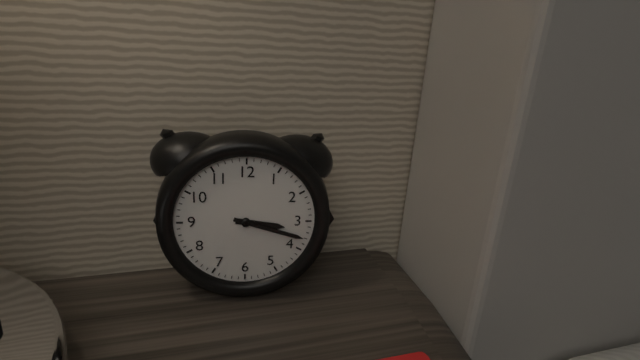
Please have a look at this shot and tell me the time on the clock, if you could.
3:18
